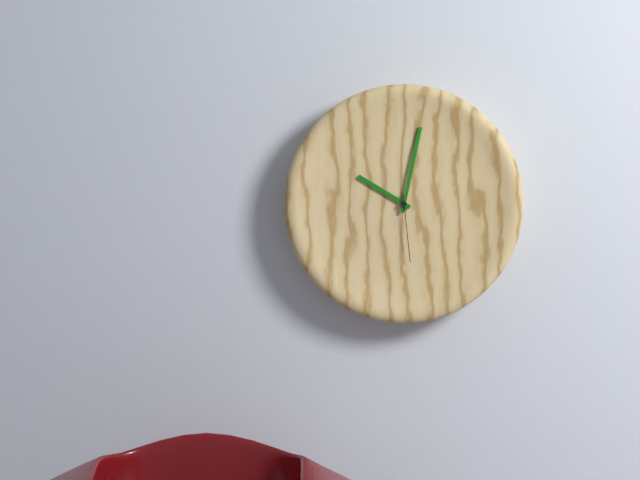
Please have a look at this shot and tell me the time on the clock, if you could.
10:02:29
